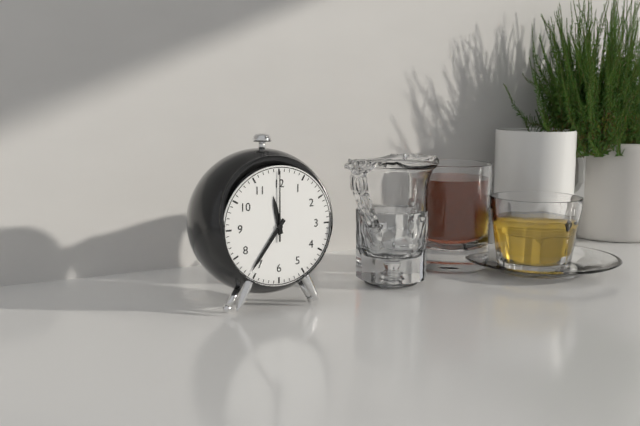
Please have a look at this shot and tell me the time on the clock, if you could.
11:36:00
